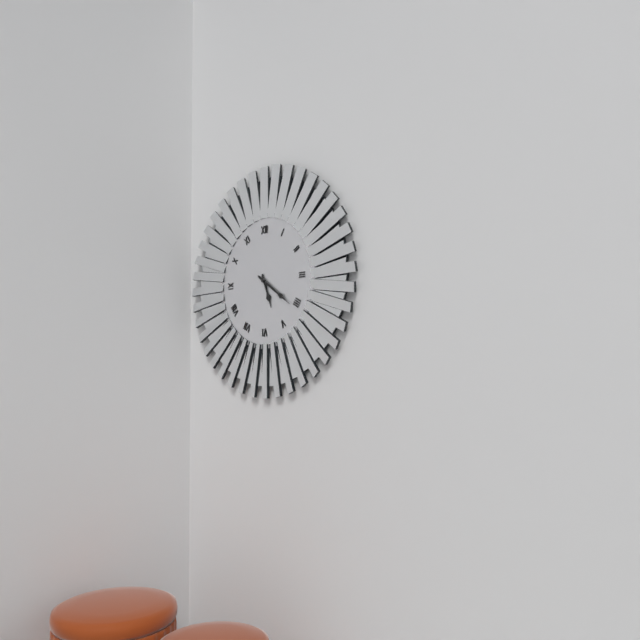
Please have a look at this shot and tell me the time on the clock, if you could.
5:21
